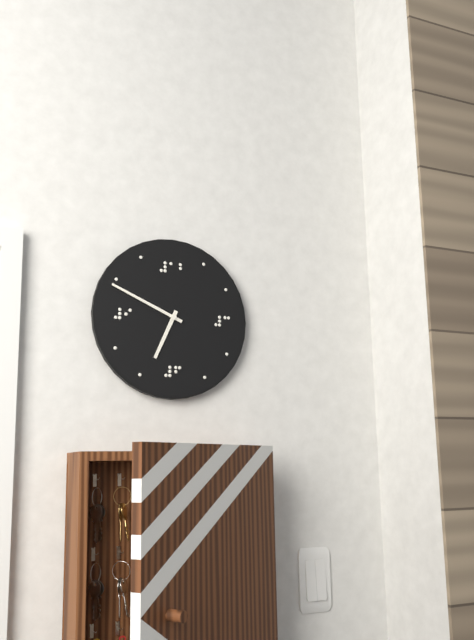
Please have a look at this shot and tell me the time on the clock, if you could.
6:49
